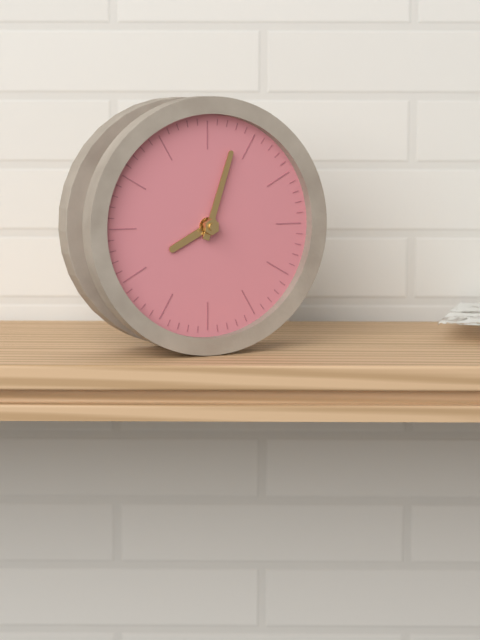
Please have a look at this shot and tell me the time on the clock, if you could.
8:03
